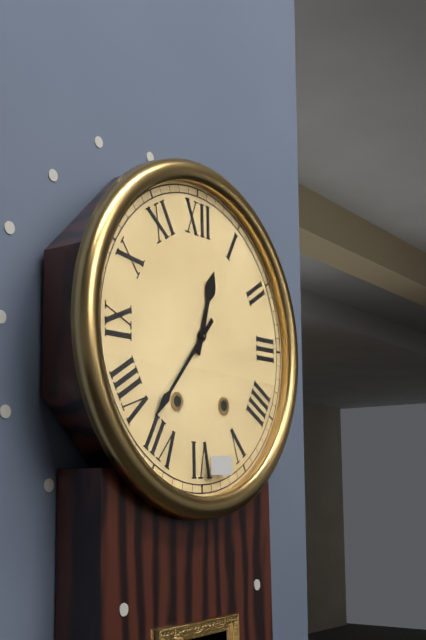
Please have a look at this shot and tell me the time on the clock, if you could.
12:37
